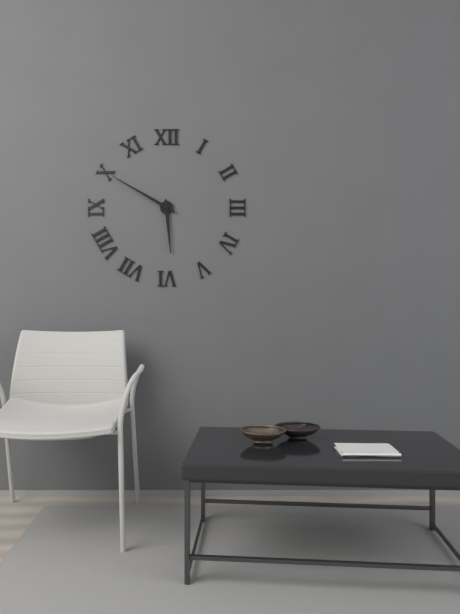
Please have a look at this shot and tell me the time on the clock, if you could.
5:50
